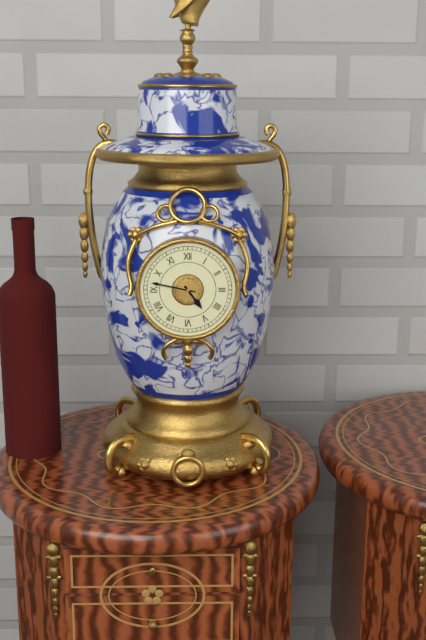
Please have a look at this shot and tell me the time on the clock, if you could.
4:47
